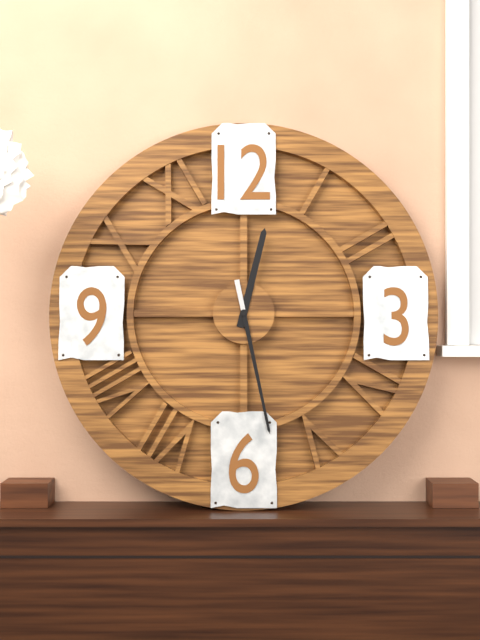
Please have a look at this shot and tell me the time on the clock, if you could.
12:28
